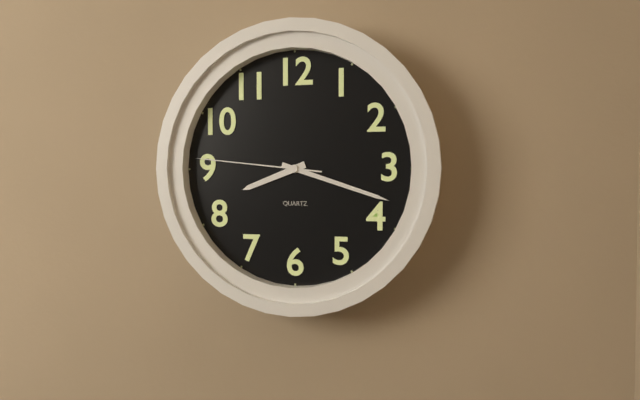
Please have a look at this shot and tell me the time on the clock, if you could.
8:18:46
